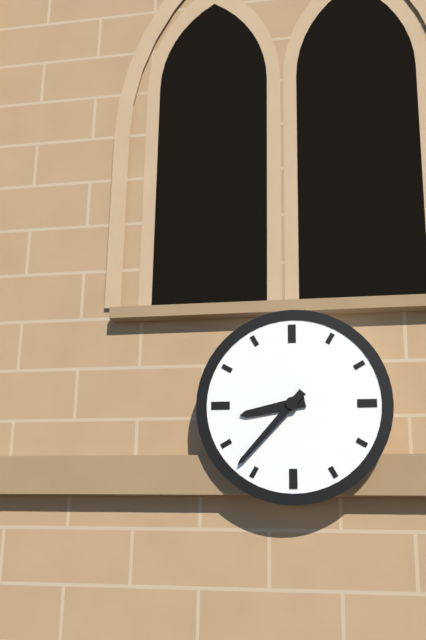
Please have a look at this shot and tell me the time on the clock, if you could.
8:37
